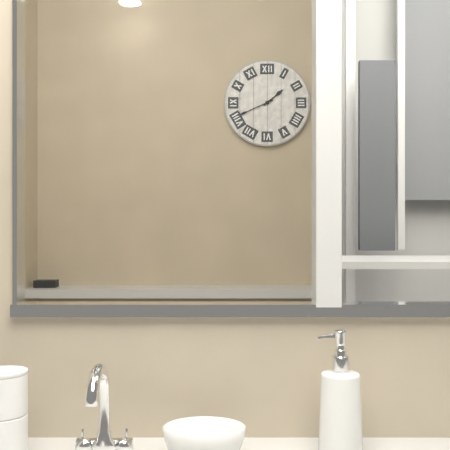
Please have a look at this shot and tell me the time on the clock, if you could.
1:41
